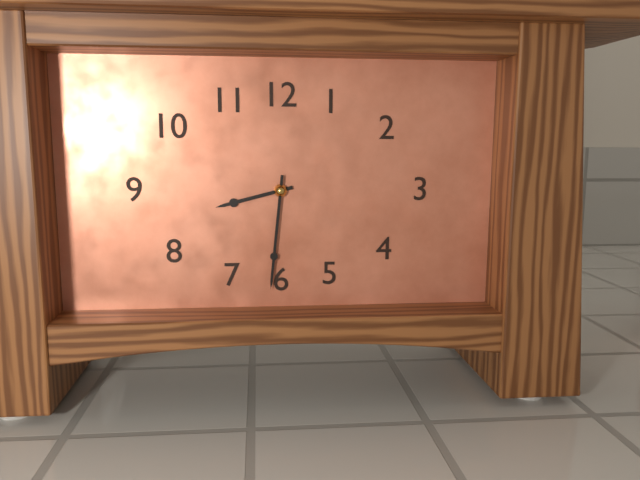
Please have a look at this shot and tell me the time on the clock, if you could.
8:31
